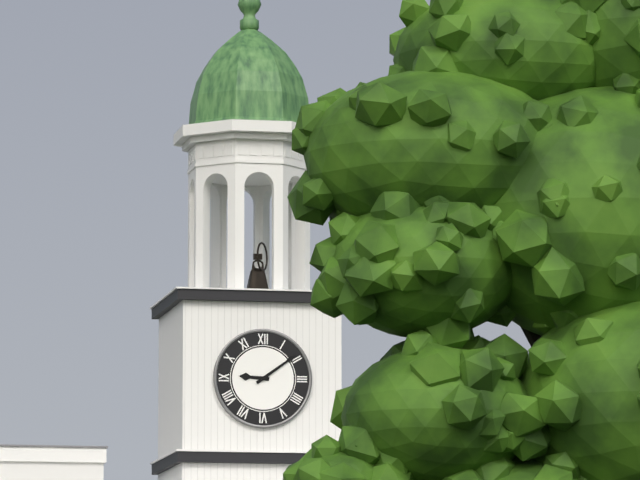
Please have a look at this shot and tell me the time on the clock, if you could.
9:09
